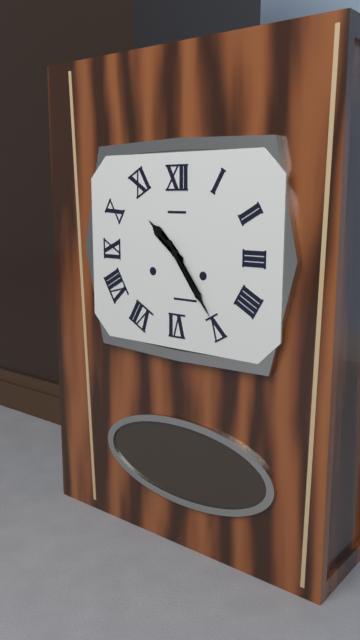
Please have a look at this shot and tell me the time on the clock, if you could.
10:24
